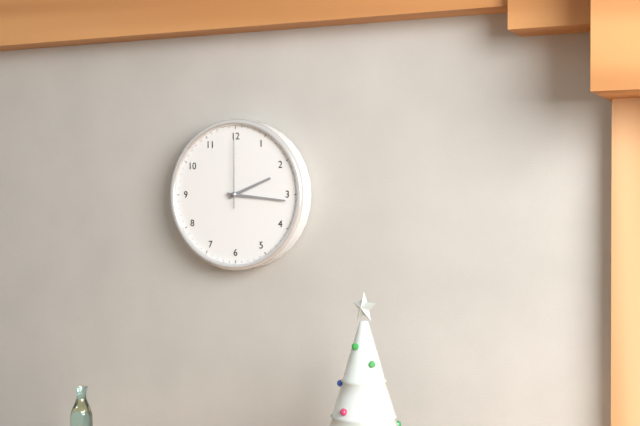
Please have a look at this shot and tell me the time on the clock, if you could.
2:16:00
